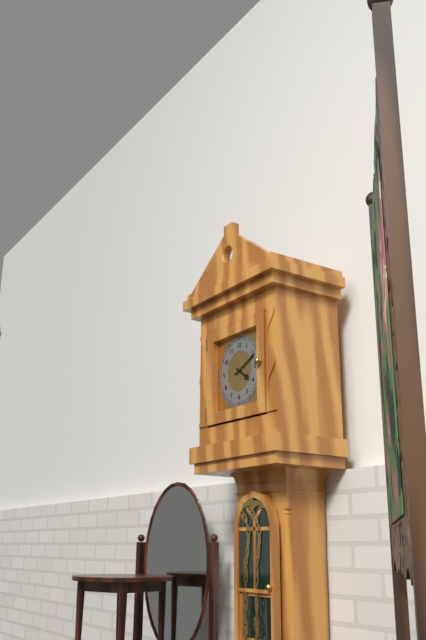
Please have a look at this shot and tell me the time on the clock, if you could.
4:11
